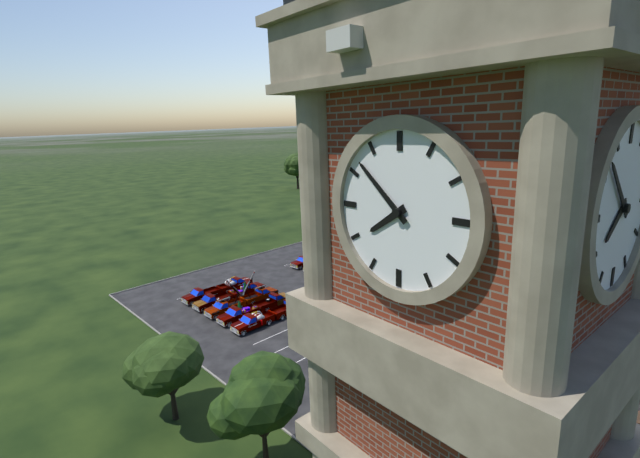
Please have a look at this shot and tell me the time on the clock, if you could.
7:52
